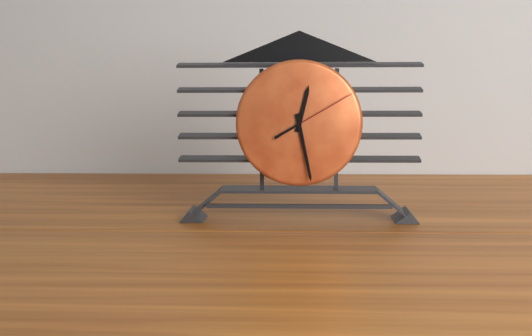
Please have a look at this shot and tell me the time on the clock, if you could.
12:28:10
